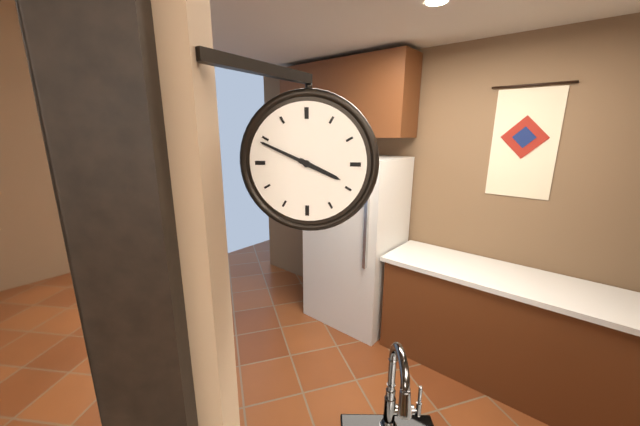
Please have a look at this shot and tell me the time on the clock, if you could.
3:49
